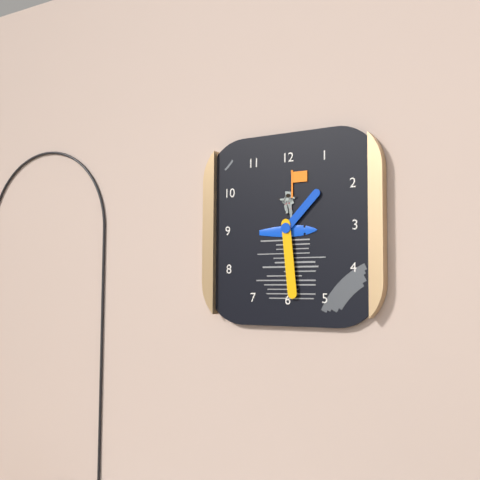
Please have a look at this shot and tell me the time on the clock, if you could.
1:29
